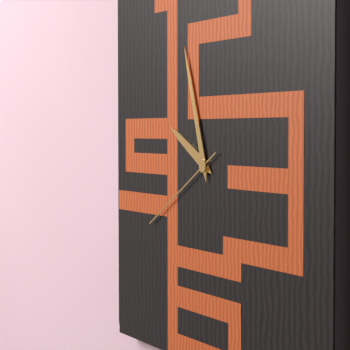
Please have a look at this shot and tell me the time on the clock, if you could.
9:57:40
